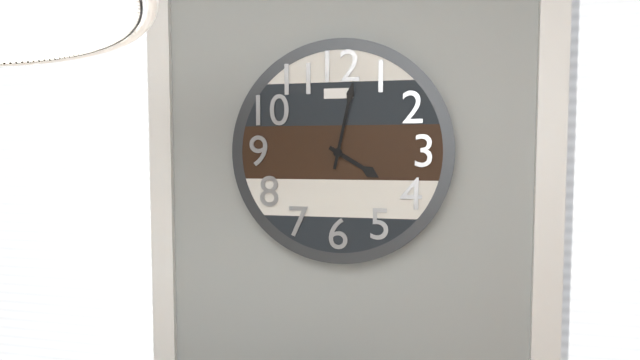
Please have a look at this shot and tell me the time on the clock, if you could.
4:02
